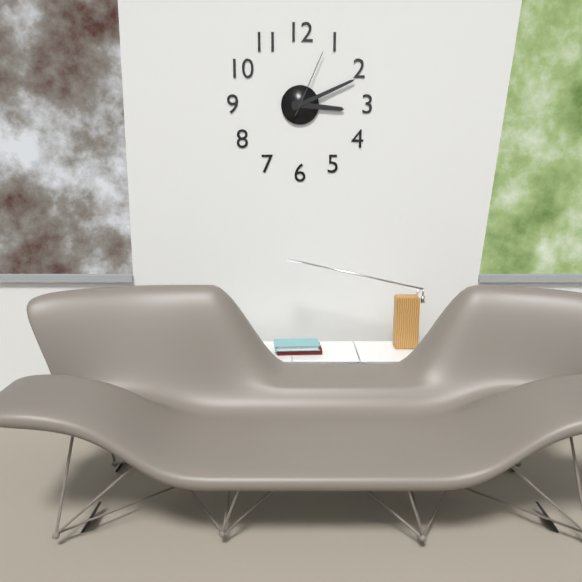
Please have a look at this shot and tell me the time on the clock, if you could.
3:11:04
